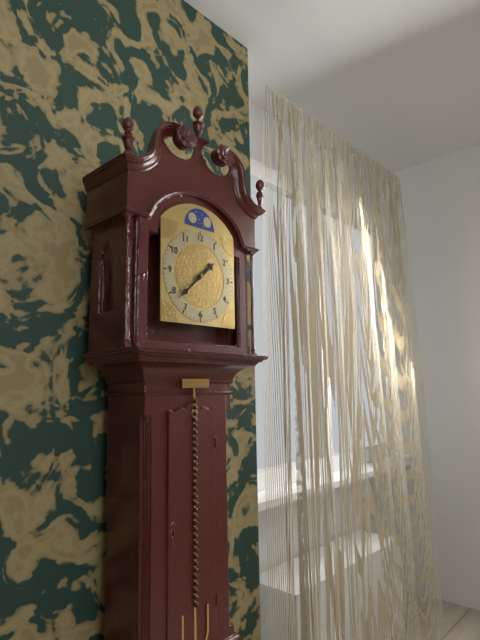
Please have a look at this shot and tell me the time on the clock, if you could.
1:38
